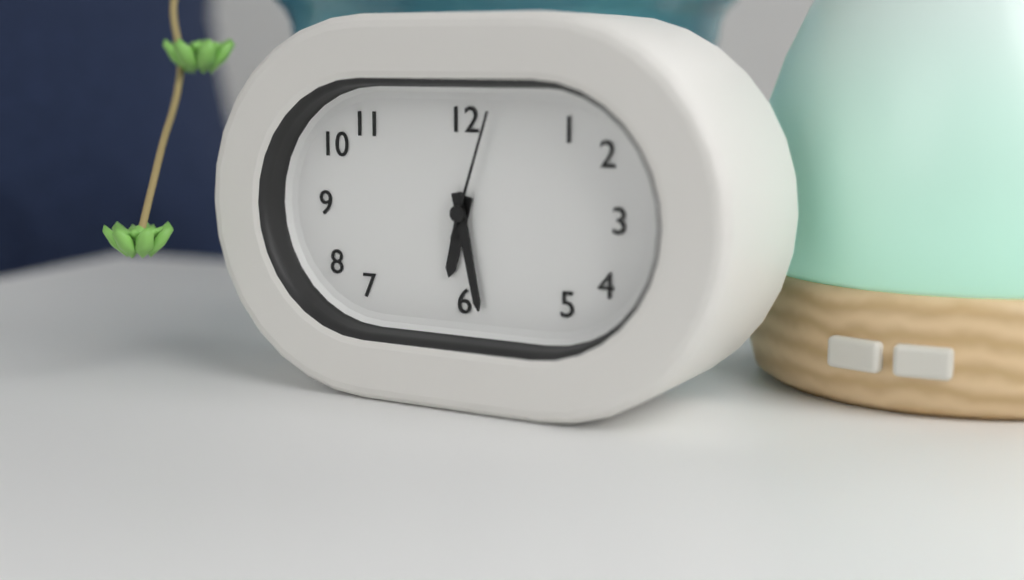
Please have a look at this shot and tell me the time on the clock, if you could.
6:28:03
